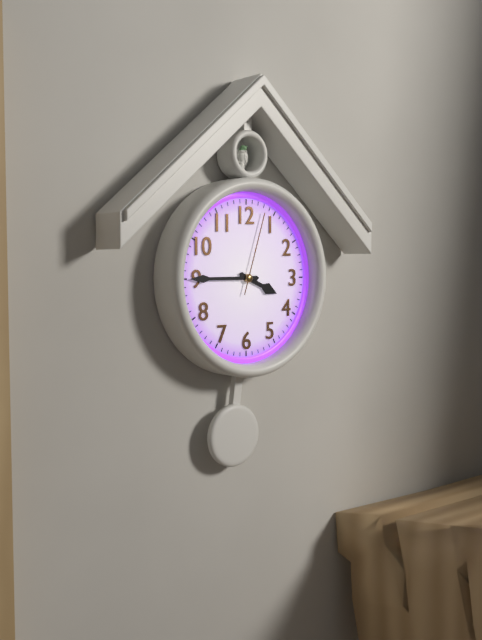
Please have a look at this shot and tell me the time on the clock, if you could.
3:45:03
